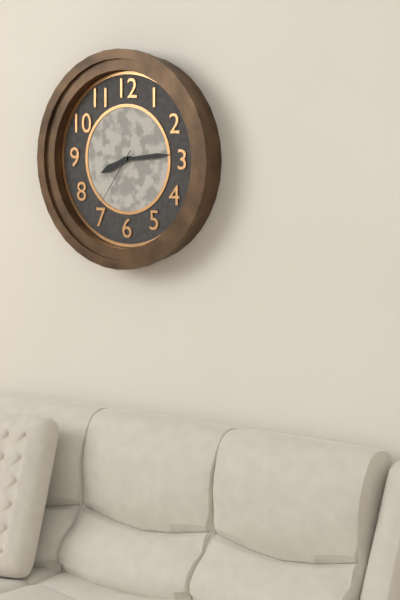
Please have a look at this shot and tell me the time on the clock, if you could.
8:14:36
